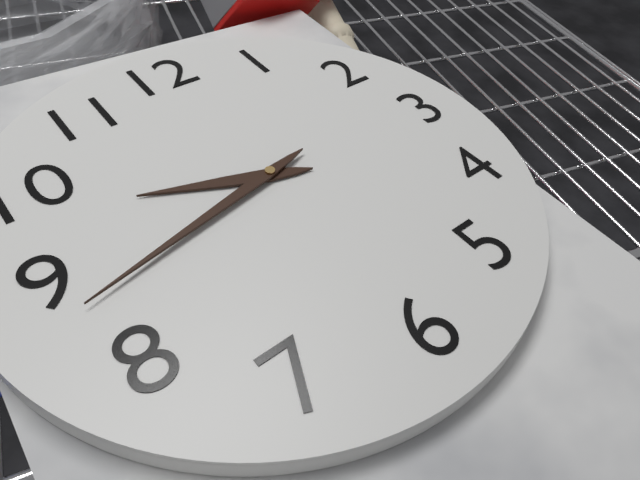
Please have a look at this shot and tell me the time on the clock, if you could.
9:43
